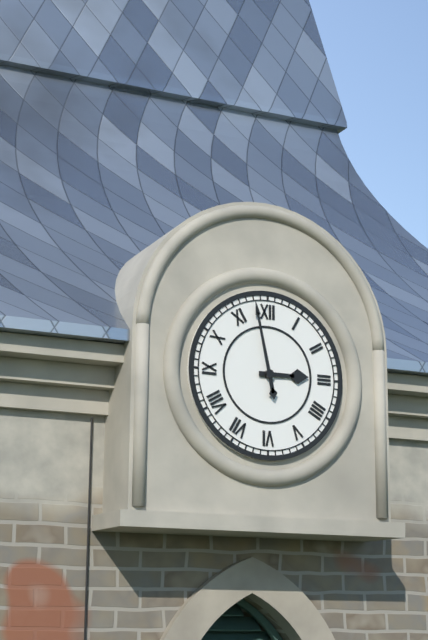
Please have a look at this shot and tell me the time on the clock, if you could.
2:58
